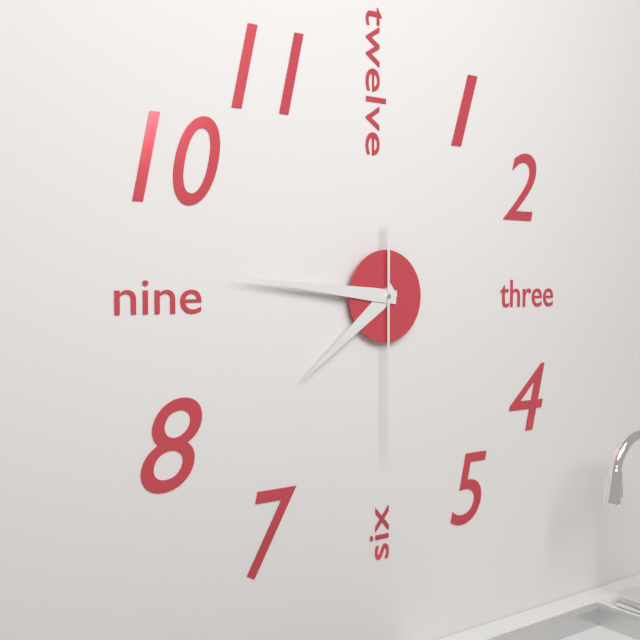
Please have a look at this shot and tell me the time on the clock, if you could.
7:46:30
